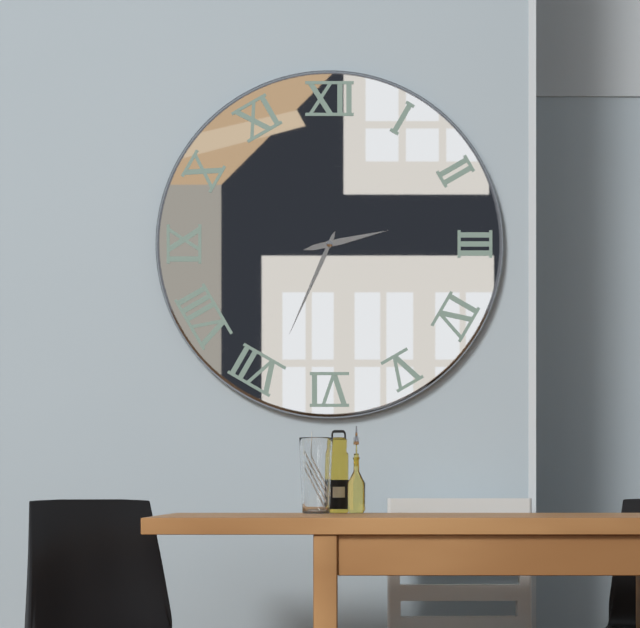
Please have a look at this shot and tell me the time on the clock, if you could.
2:34
